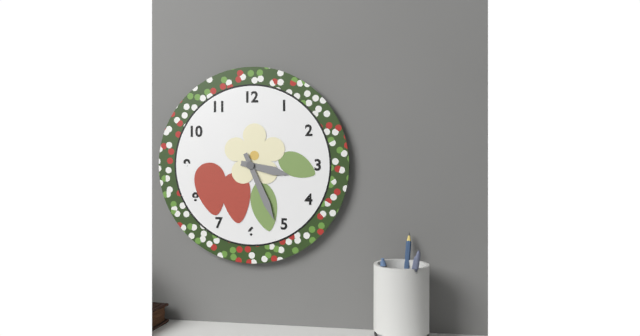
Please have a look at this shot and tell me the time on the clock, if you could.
3:26
